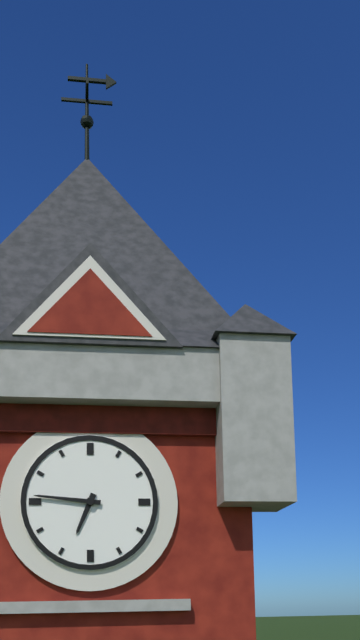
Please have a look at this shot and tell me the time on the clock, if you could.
6:46
